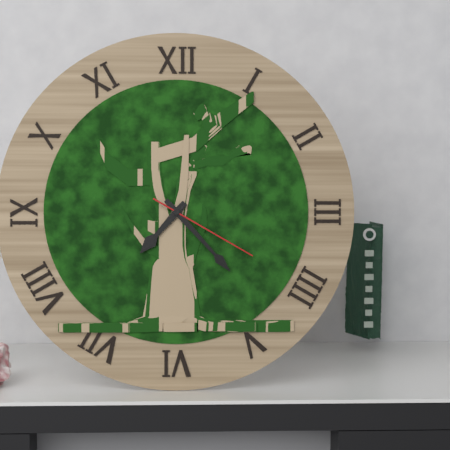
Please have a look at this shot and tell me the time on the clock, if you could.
7:23:20
